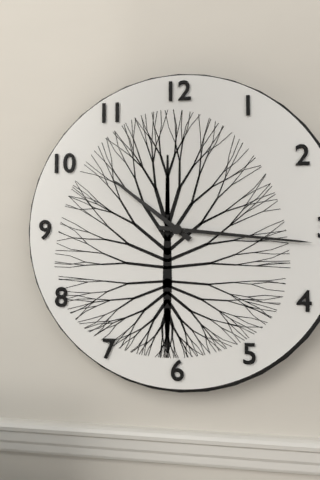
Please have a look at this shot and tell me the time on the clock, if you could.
10:16
